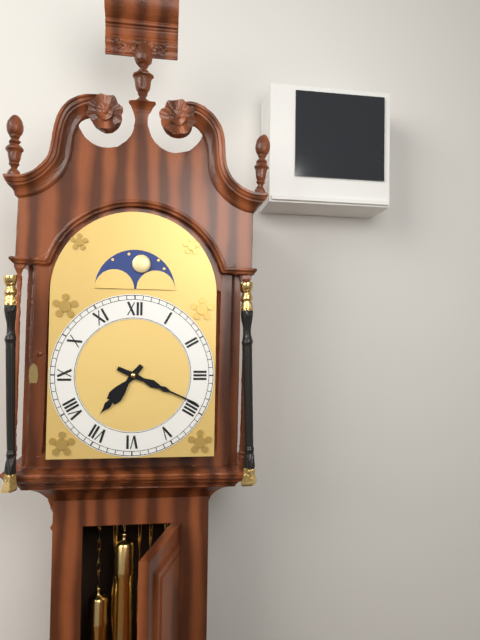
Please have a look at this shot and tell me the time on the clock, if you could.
7:19
